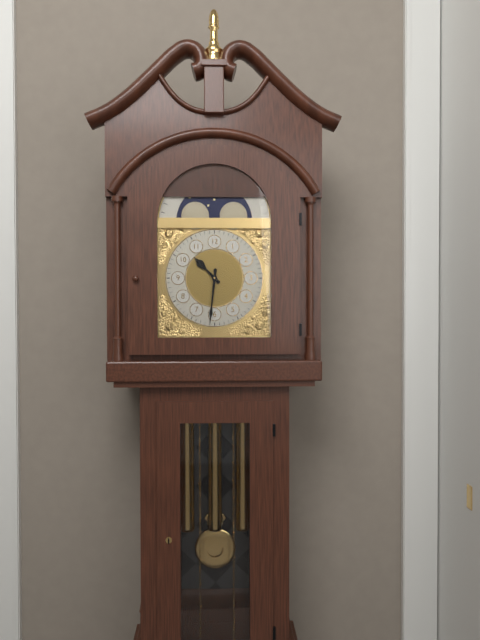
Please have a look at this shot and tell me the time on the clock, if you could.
10:31
